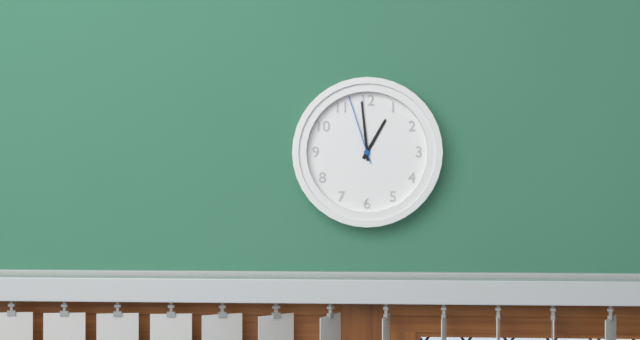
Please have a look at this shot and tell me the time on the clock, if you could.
12:59:57
